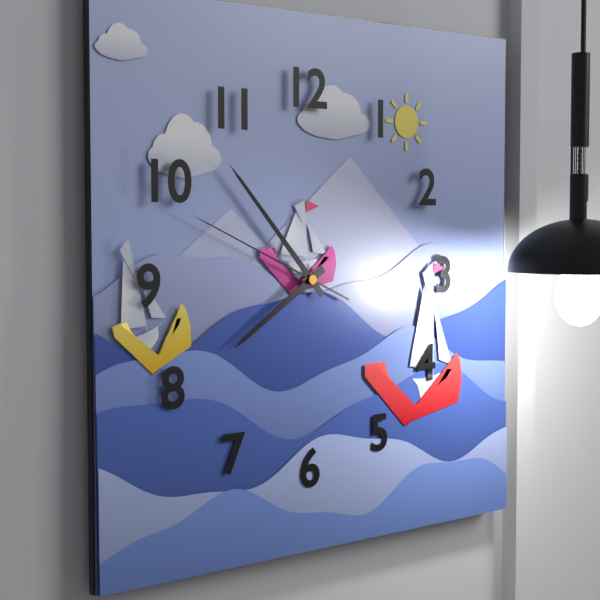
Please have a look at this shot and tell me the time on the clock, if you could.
7:53:49
